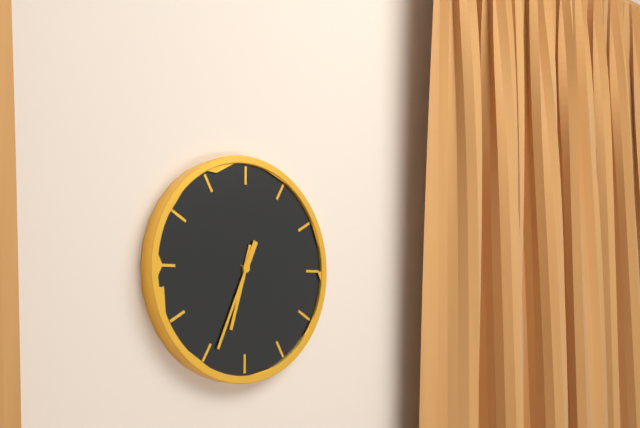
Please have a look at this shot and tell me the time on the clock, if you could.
6:34
